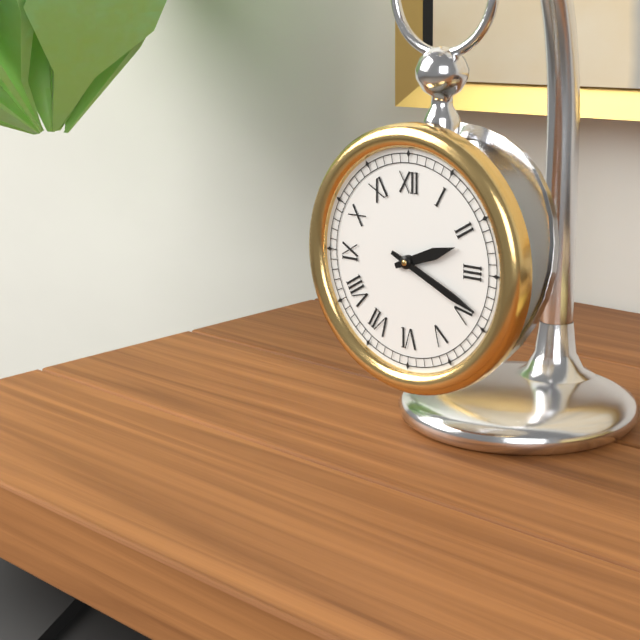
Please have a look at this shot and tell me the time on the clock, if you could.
2:19
